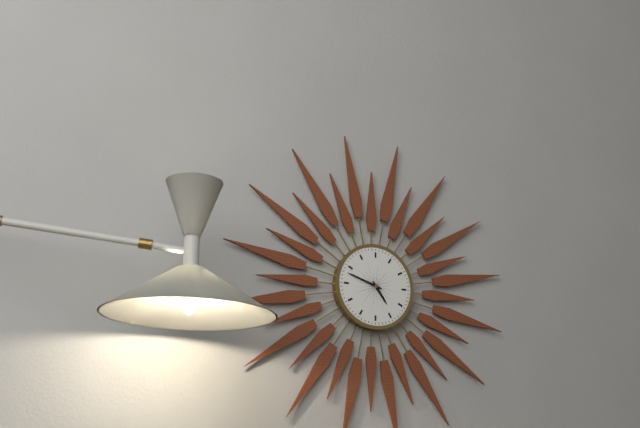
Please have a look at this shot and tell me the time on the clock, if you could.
4:48
